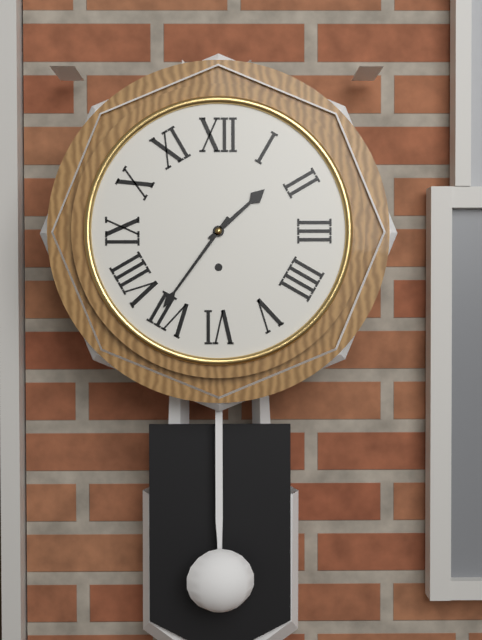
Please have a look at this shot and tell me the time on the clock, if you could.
1:36
